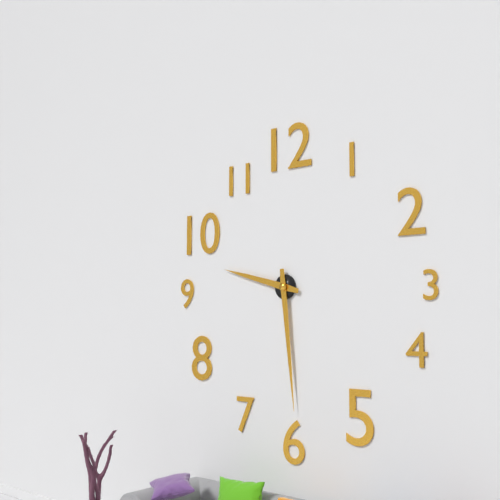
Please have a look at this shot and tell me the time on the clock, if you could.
9:29
